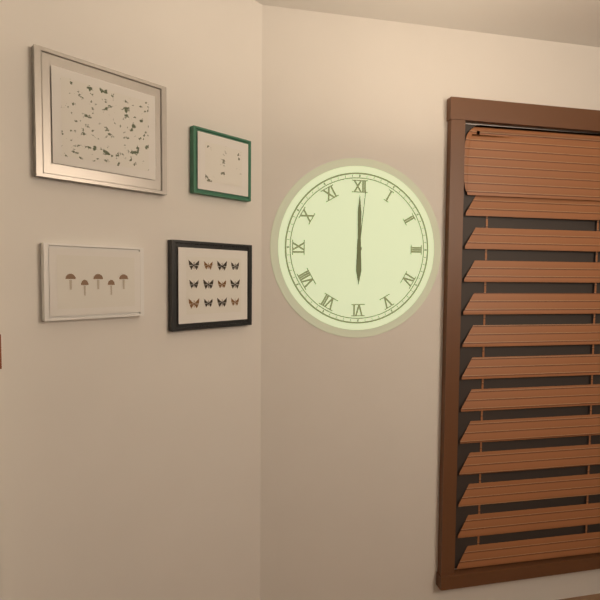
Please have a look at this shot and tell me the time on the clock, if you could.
6:00:01
